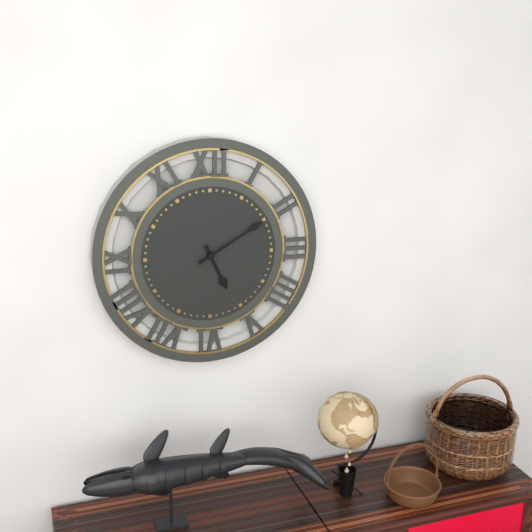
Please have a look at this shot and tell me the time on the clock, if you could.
5:10
